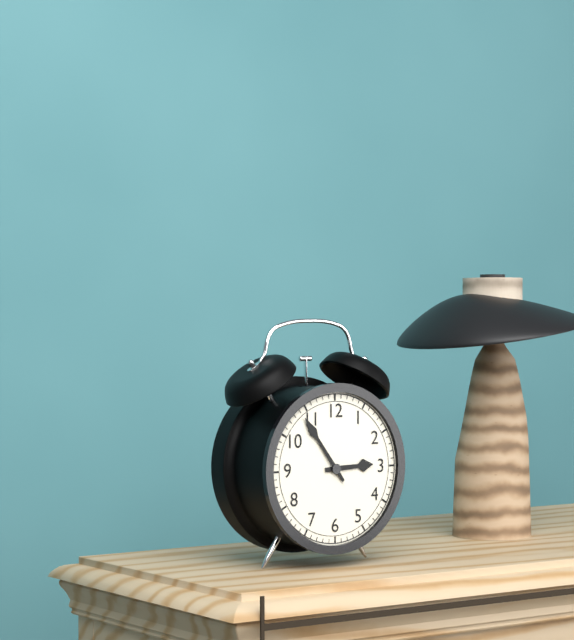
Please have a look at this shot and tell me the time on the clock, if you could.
2:54
